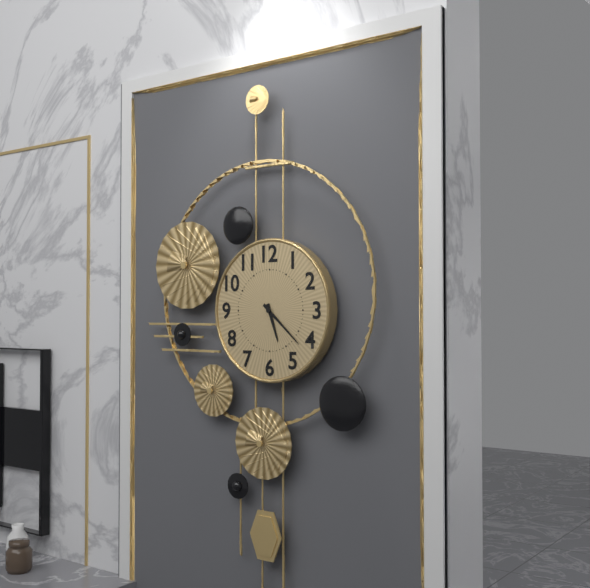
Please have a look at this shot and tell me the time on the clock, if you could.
5:22
